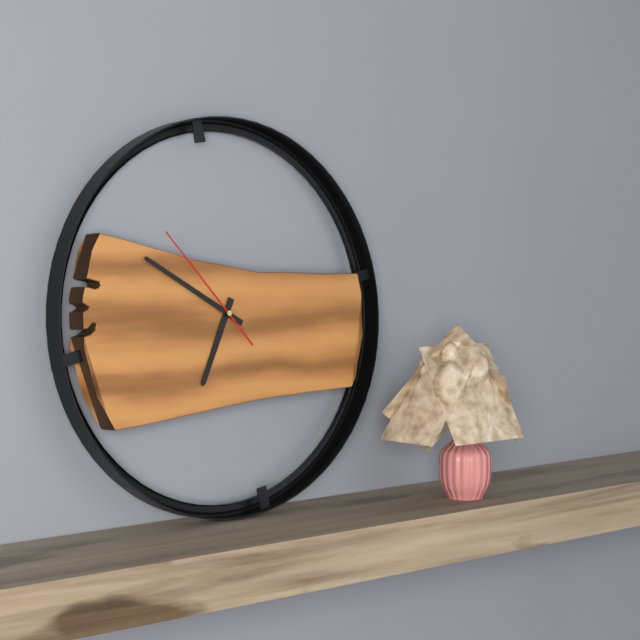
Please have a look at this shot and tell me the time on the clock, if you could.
6:50:53
